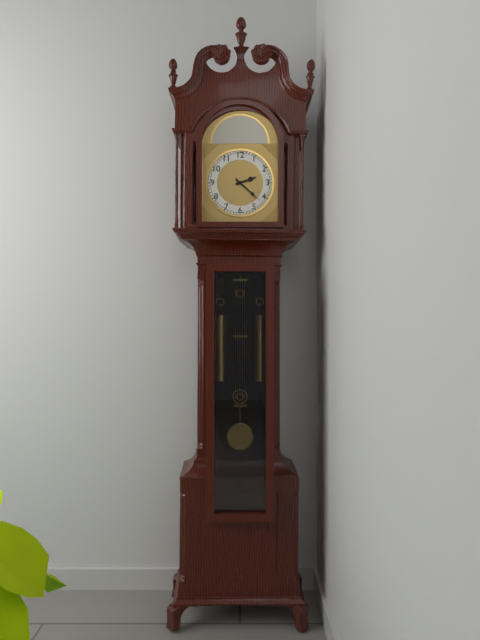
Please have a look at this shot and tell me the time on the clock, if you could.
2:22
